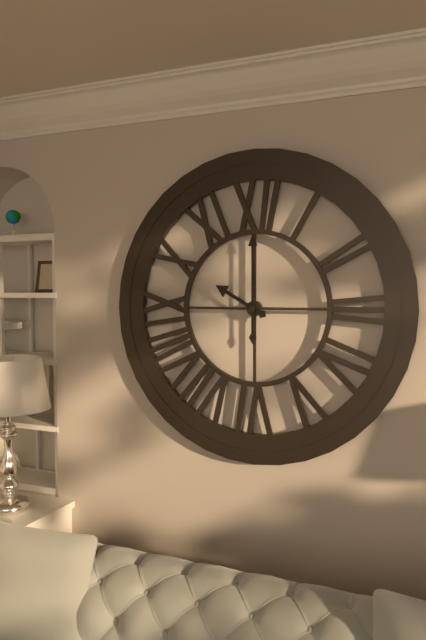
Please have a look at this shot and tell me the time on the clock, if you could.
10:00
